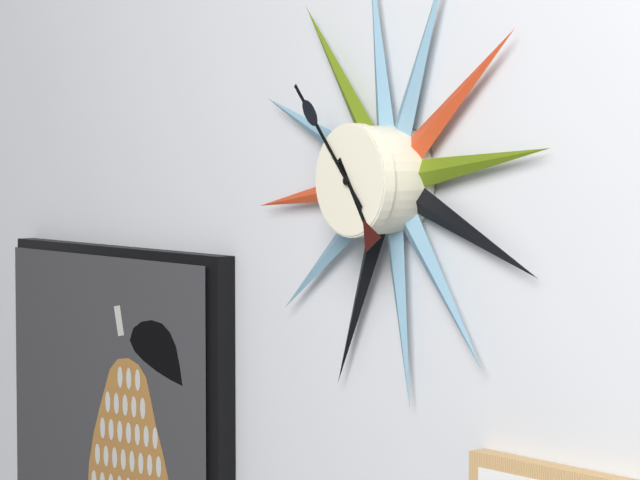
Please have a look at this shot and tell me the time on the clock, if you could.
4:53
